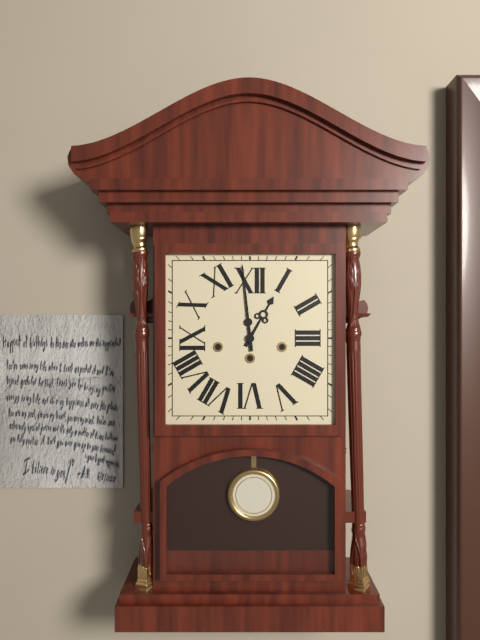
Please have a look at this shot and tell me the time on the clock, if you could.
12:59
